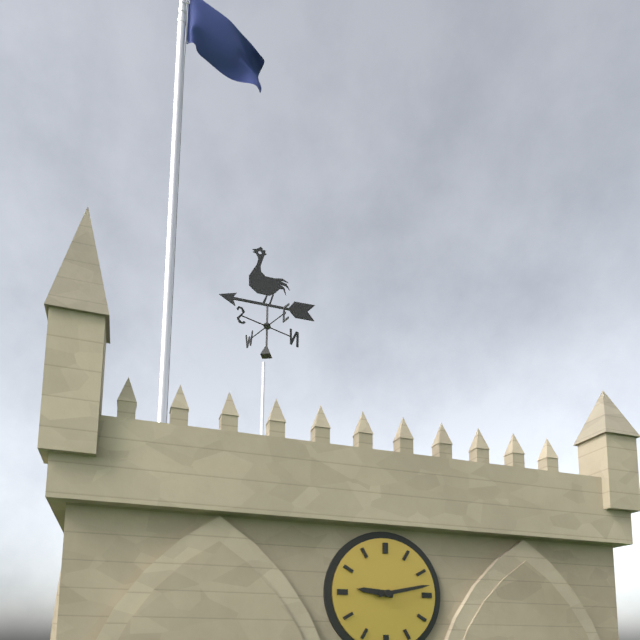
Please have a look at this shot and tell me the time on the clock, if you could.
9:13
